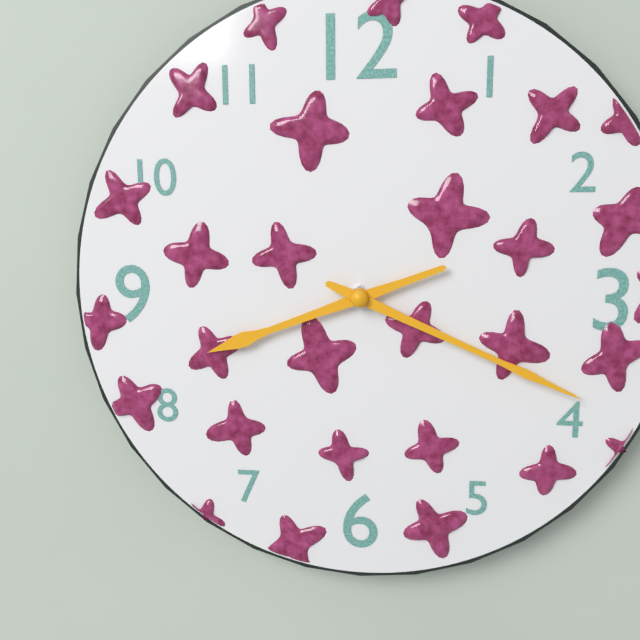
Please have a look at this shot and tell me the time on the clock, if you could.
8:19
